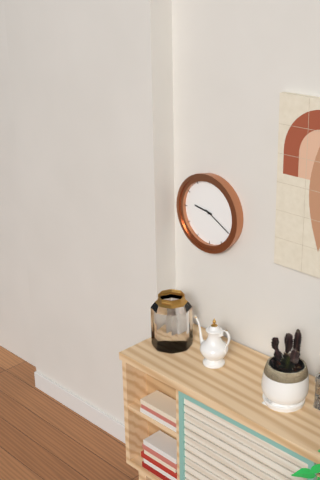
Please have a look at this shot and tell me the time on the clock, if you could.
9:20
